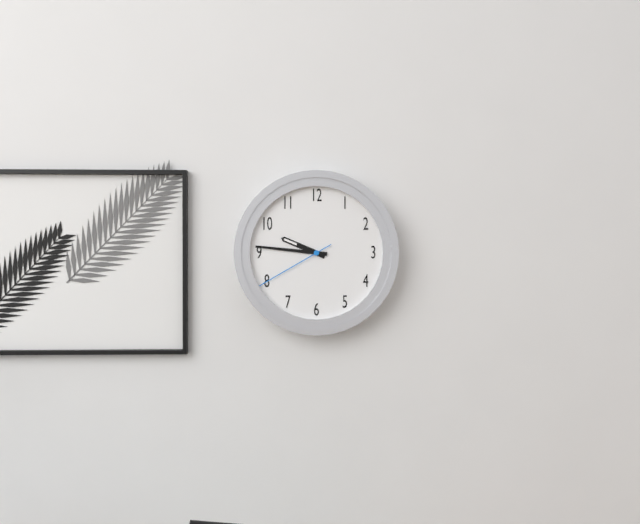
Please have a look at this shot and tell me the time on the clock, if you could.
9:46:40
